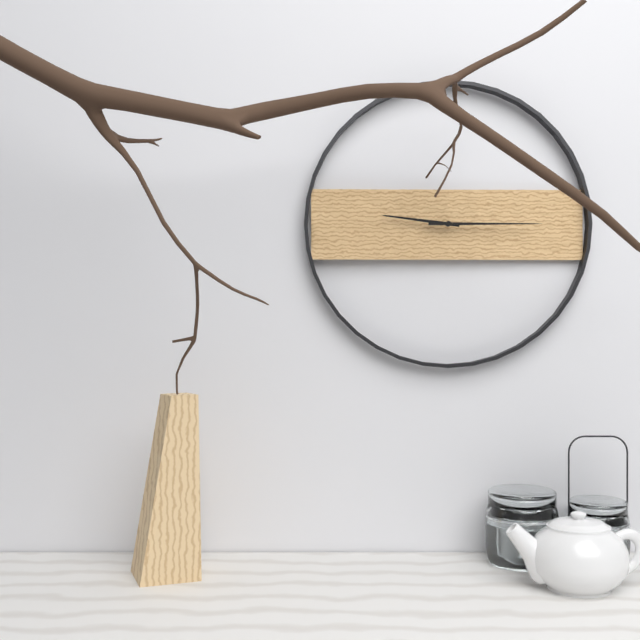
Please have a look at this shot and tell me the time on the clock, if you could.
9:15
